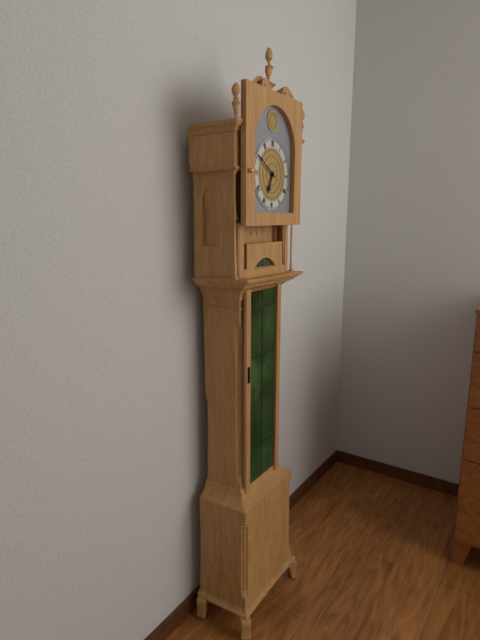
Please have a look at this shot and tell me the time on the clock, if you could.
6:50
